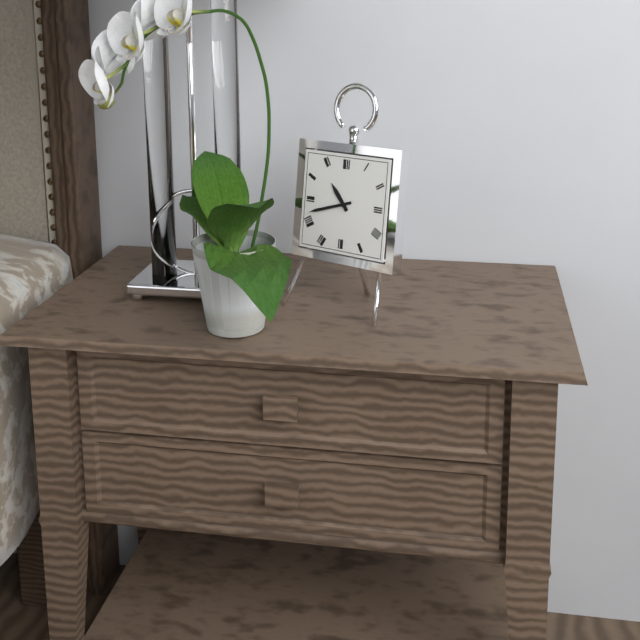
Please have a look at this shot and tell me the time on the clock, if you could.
10:42
